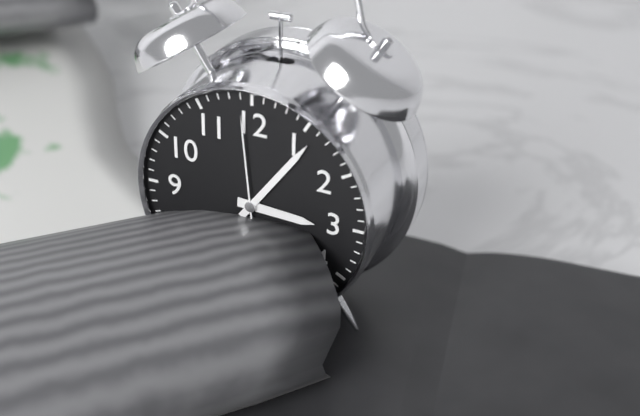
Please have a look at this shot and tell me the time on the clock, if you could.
3:06:59
